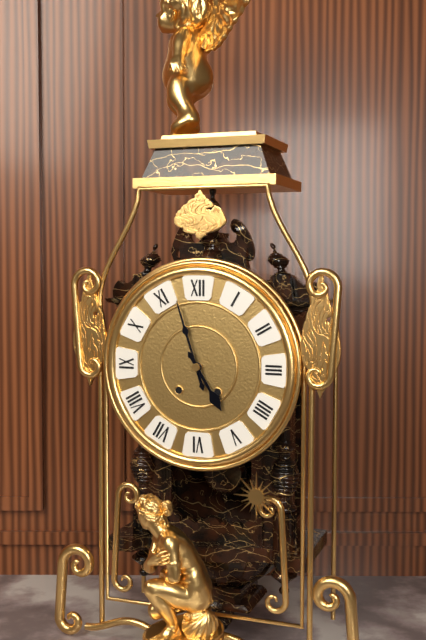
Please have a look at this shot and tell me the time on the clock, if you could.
4:57
